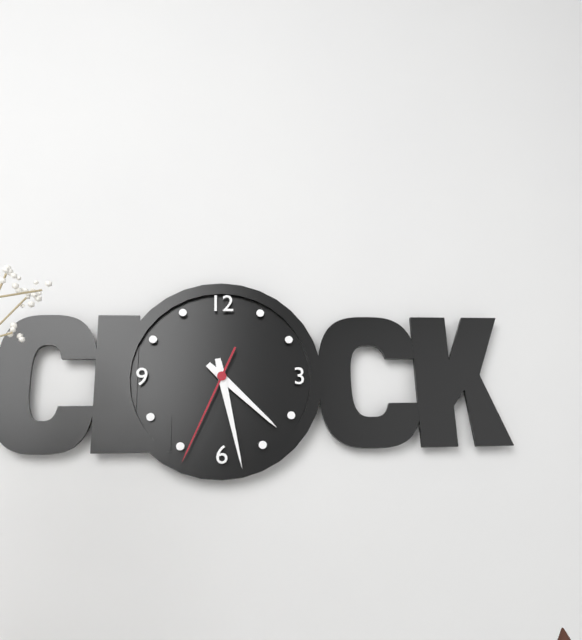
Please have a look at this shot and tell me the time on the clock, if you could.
4:28:34
